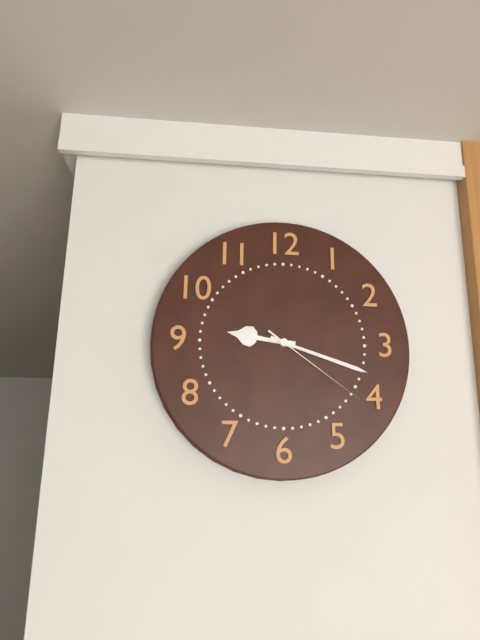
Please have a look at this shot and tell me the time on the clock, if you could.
9:18:21
